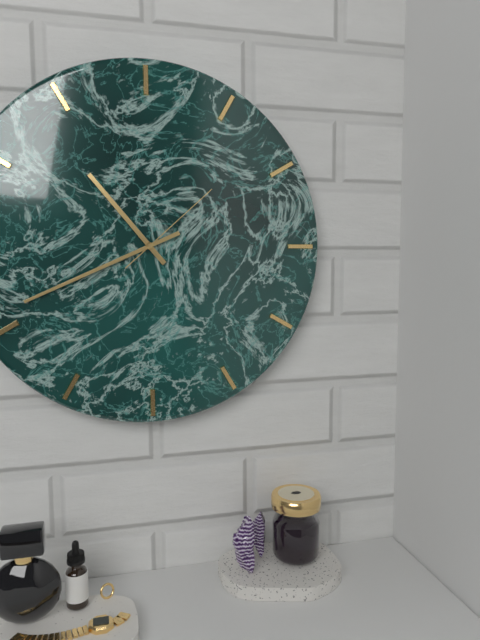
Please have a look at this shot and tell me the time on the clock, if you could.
10:41:08
